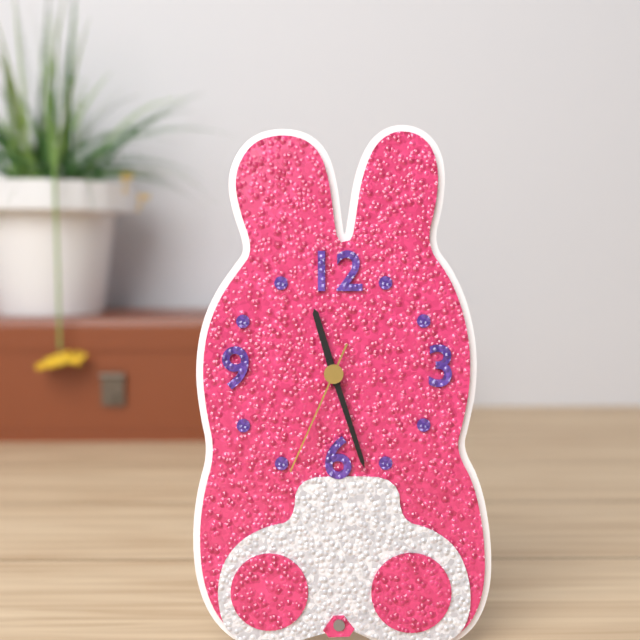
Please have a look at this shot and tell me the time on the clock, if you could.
11:27:34
